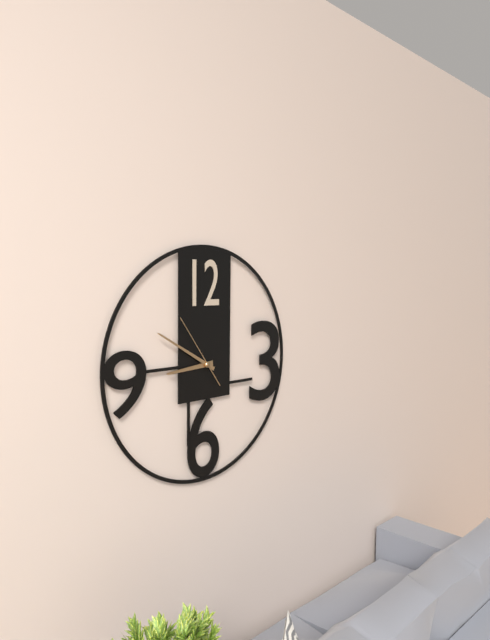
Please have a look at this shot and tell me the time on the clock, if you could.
8:50:54
